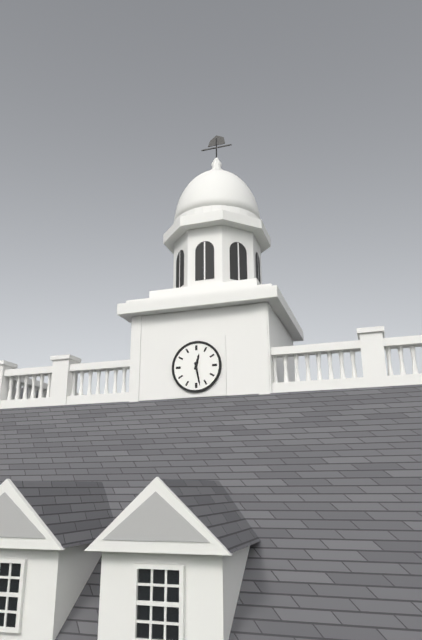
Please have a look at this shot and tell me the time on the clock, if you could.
12:28
